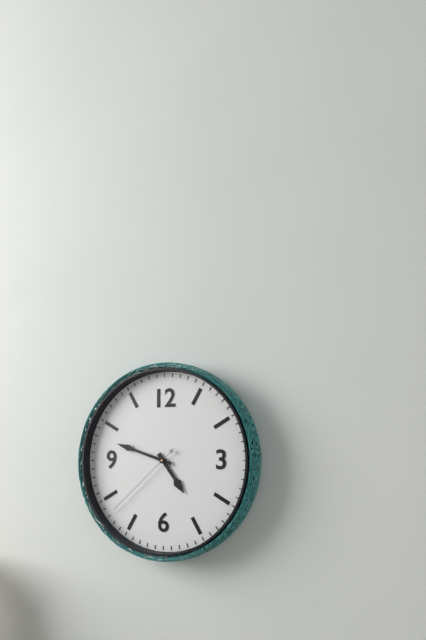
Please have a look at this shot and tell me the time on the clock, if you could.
4:48:38
